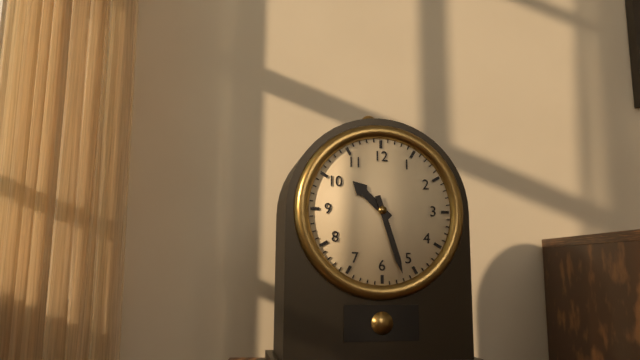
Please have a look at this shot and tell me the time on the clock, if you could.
10:27
